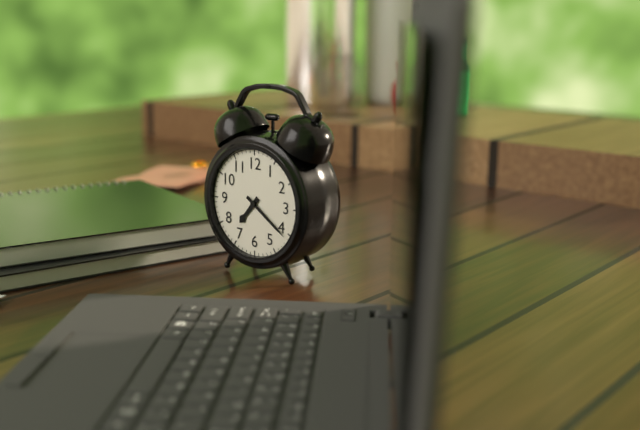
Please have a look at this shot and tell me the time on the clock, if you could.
7:21
